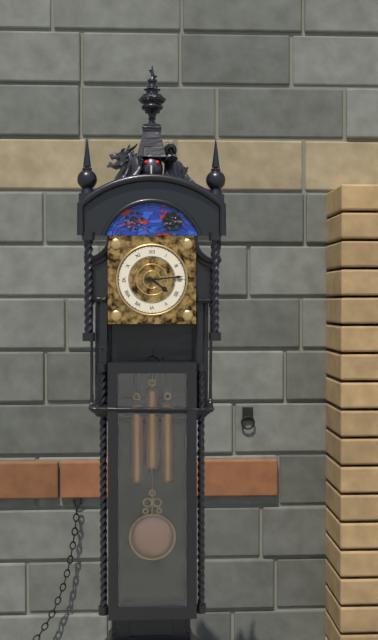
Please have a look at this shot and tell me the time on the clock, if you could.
4:14
